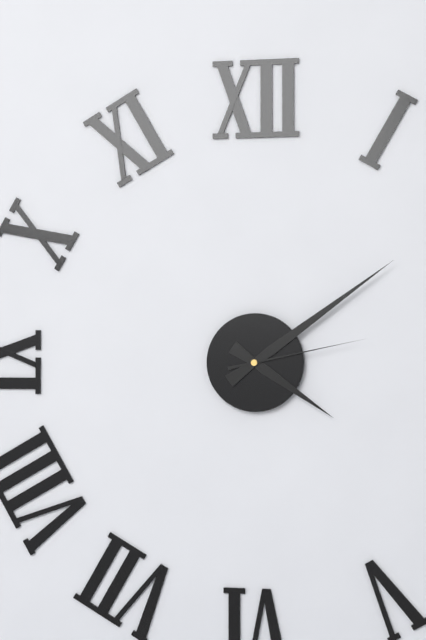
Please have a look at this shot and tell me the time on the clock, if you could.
4:09:13
